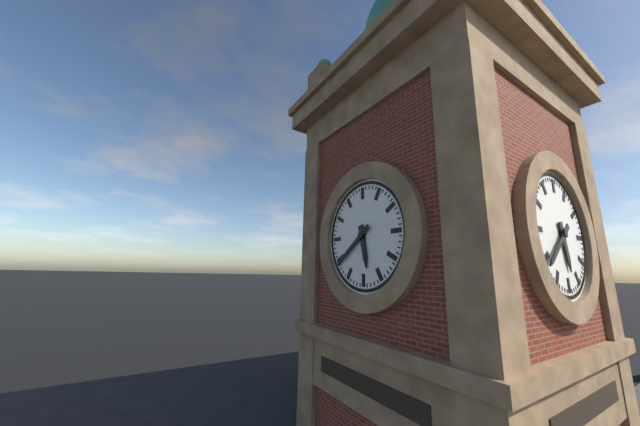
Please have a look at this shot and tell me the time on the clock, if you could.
5:39
